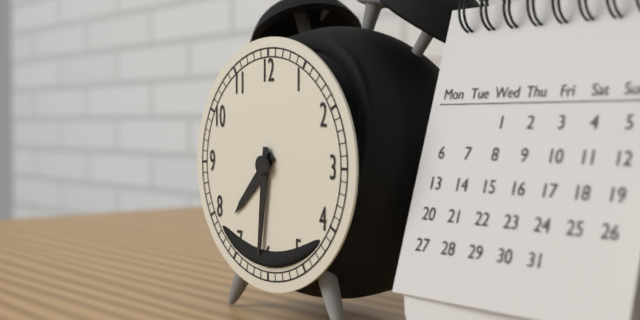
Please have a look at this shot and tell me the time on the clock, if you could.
7:31
